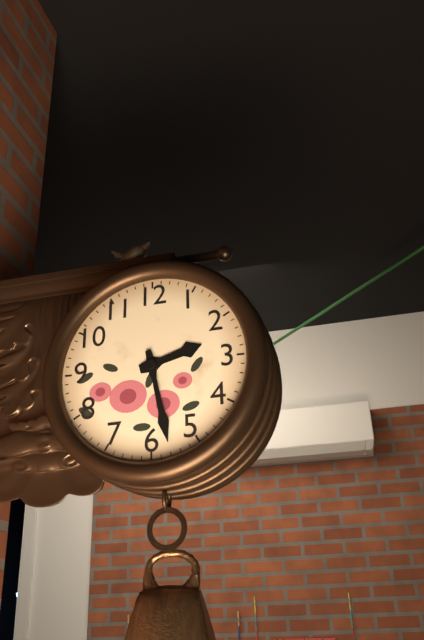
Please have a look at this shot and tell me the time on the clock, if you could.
2:28
